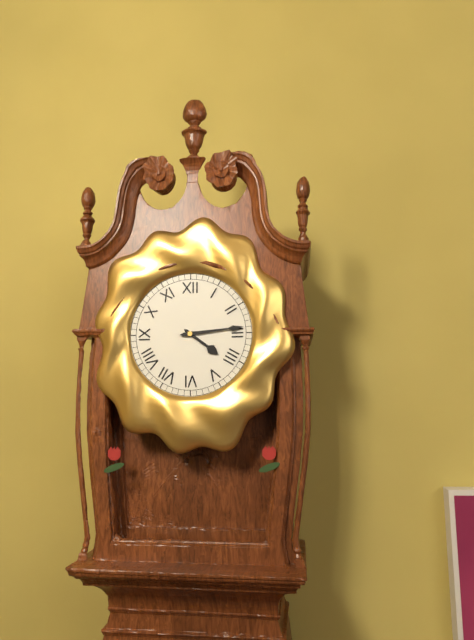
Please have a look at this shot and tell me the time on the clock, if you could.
4:14
